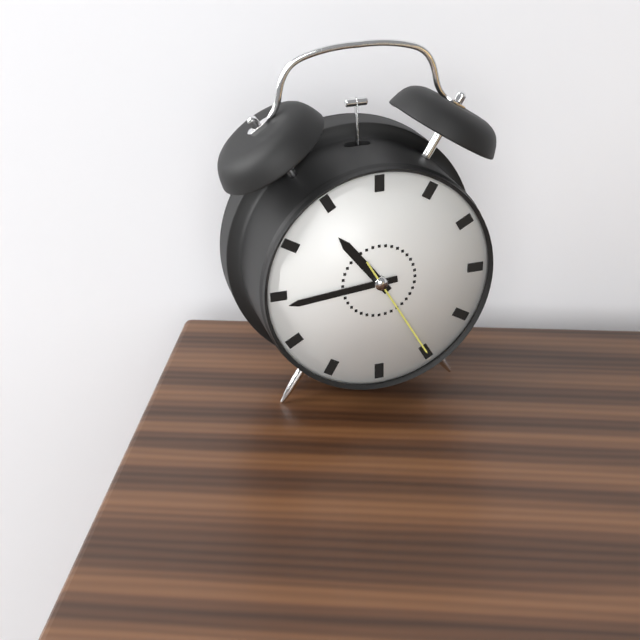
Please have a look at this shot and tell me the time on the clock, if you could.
10:44:25
